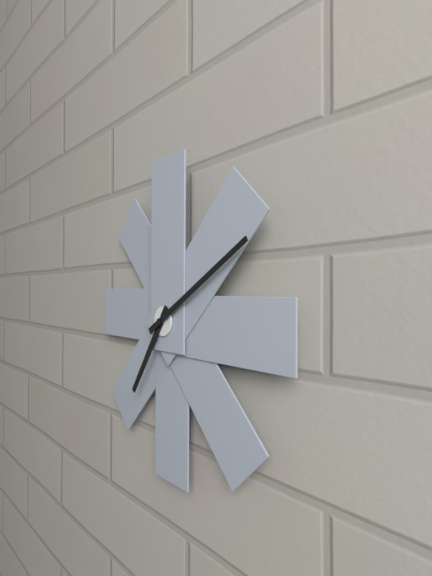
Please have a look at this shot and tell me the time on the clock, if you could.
7:10
